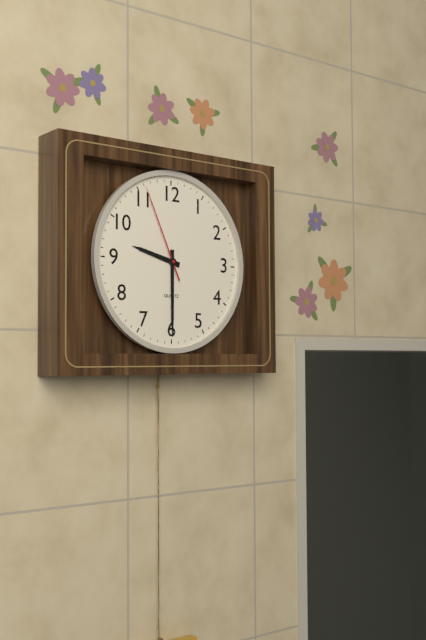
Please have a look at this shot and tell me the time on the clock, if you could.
9:30:56
